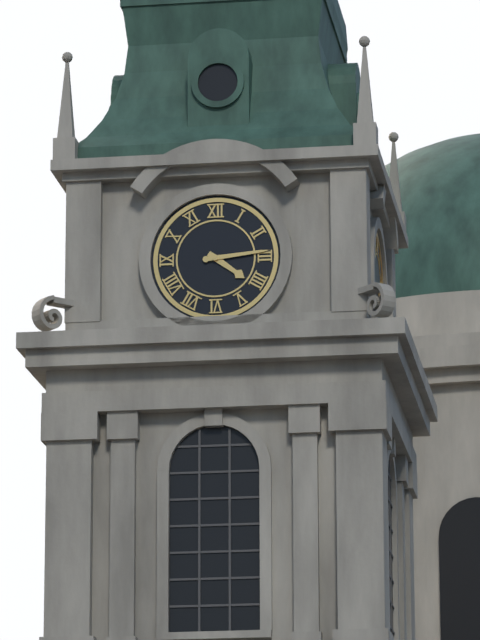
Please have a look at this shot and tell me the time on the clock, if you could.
4:14
